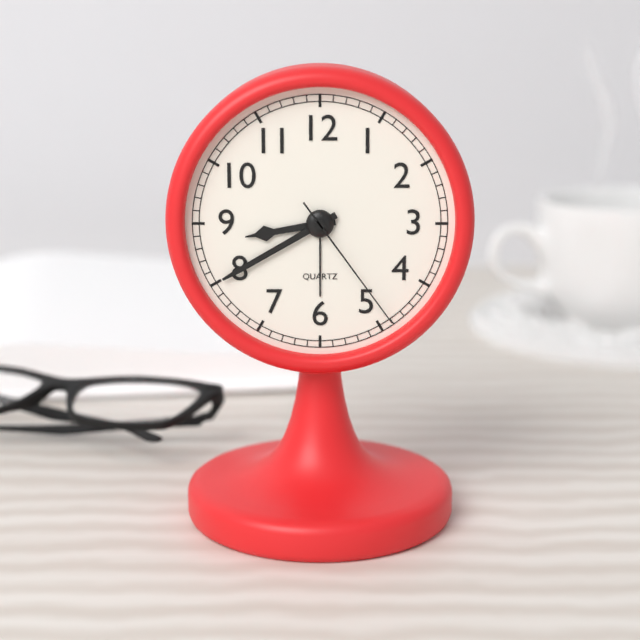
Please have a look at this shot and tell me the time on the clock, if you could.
8:40:24
